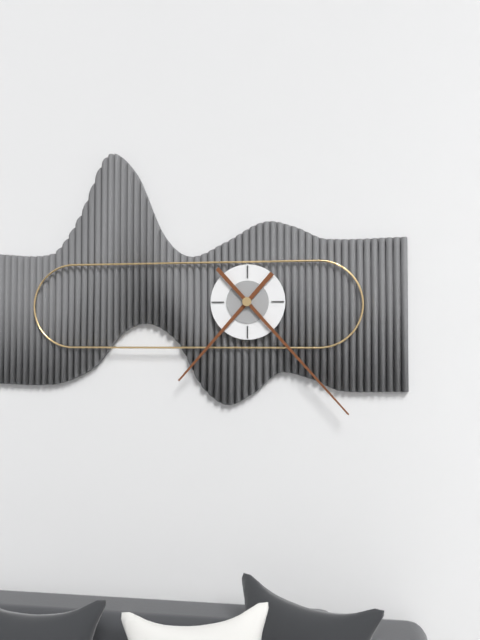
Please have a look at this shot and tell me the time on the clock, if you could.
7:23
